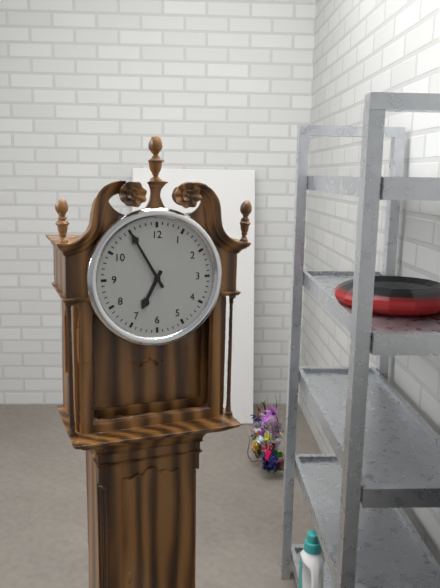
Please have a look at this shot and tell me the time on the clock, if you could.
6:55
